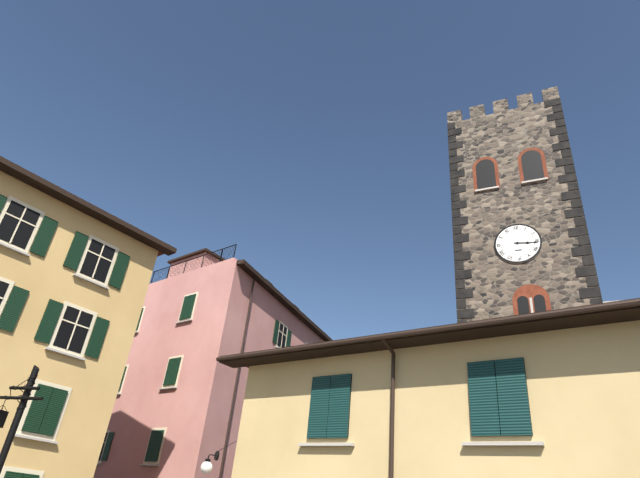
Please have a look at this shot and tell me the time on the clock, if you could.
3:16
